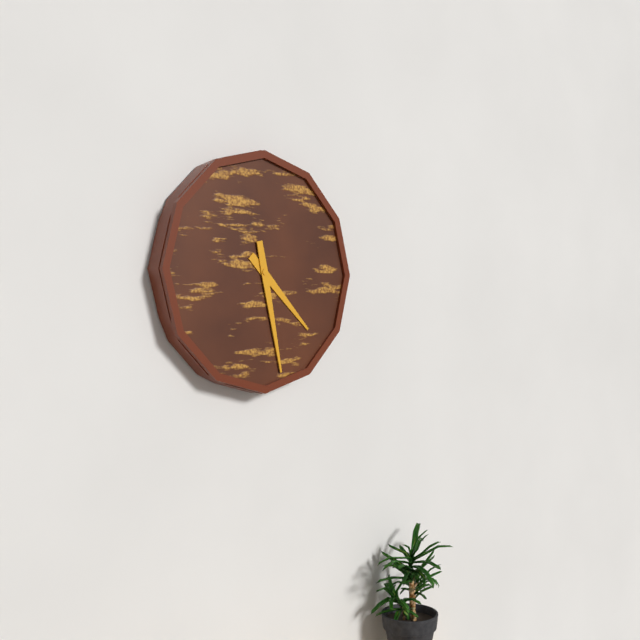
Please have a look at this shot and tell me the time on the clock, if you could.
4:28
